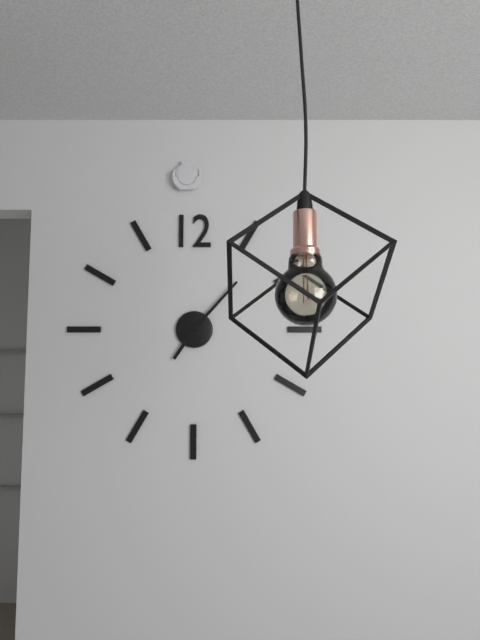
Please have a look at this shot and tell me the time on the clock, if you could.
7:07
